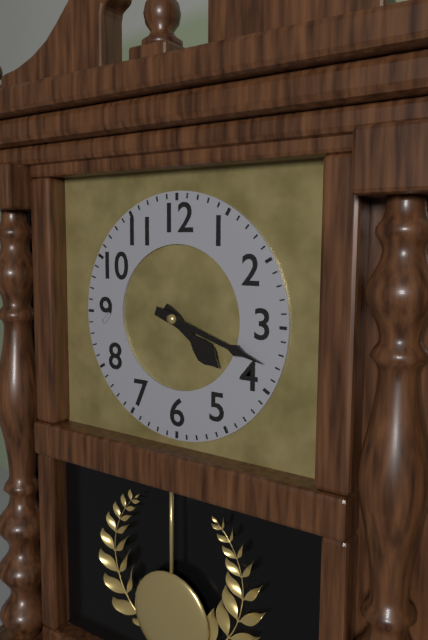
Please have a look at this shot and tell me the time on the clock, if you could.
4:18
